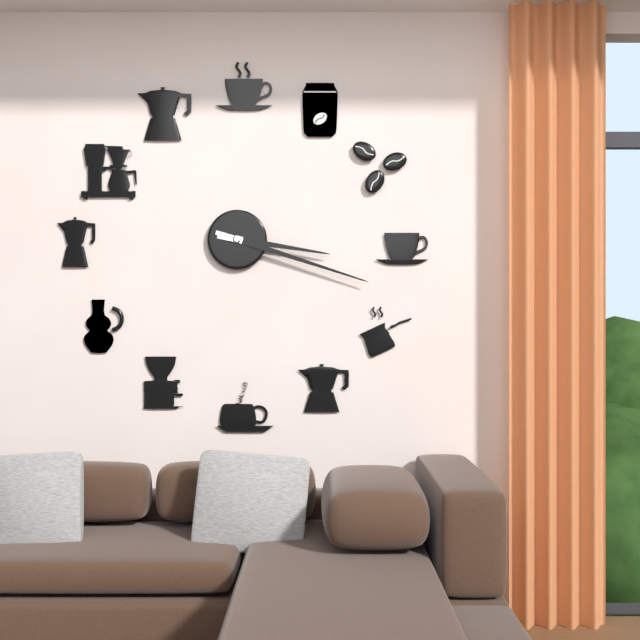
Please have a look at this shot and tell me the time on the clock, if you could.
3:18
